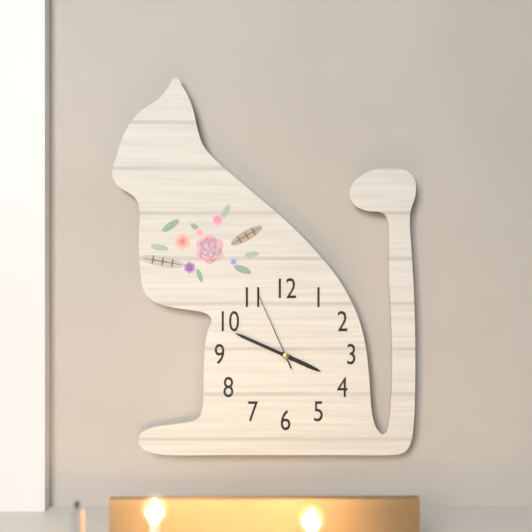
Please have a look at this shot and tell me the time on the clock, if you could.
3:49:56
